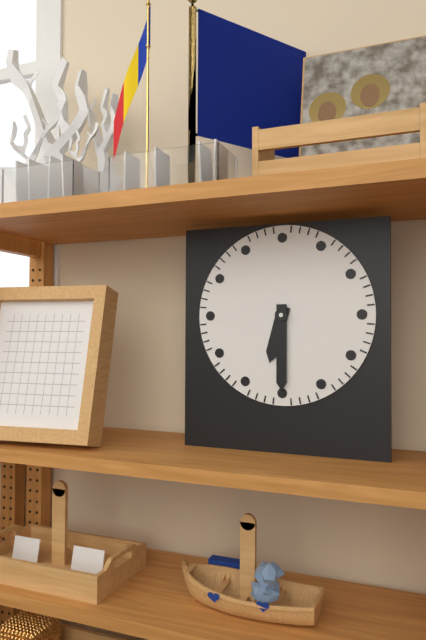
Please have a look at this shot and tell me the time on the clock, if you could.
6:30
